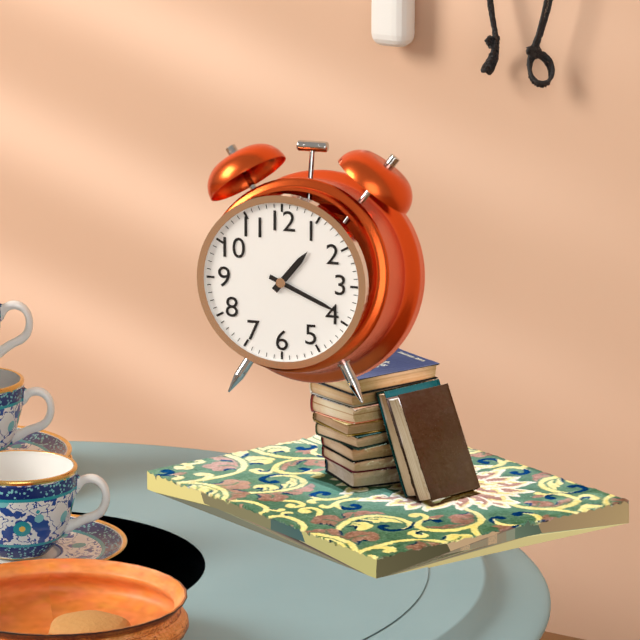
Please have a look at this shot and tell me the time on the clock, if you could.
1:19
